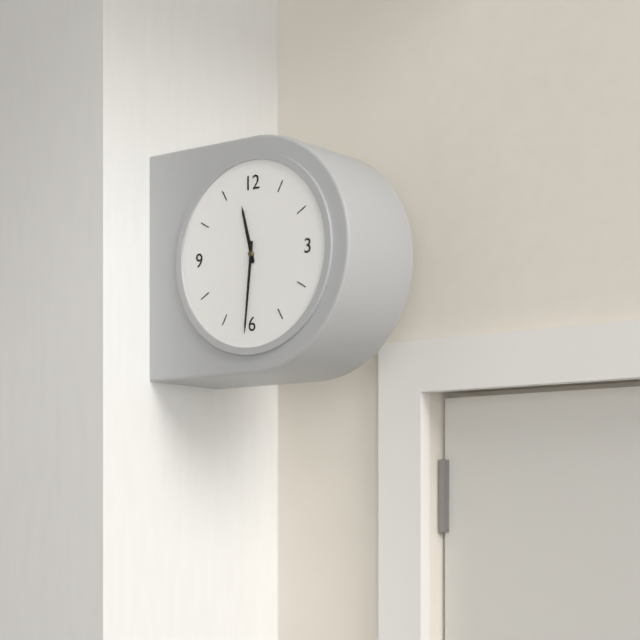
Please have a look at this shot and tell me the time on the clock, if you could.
11:31
